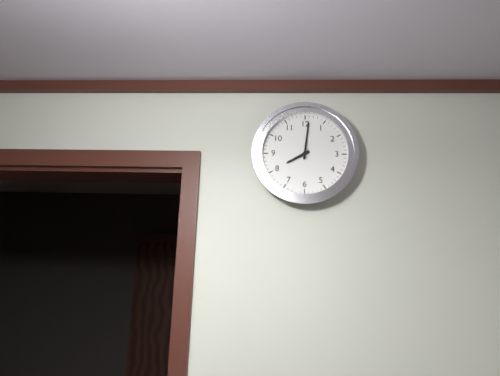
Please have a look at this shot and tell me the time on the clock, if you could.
8:01
